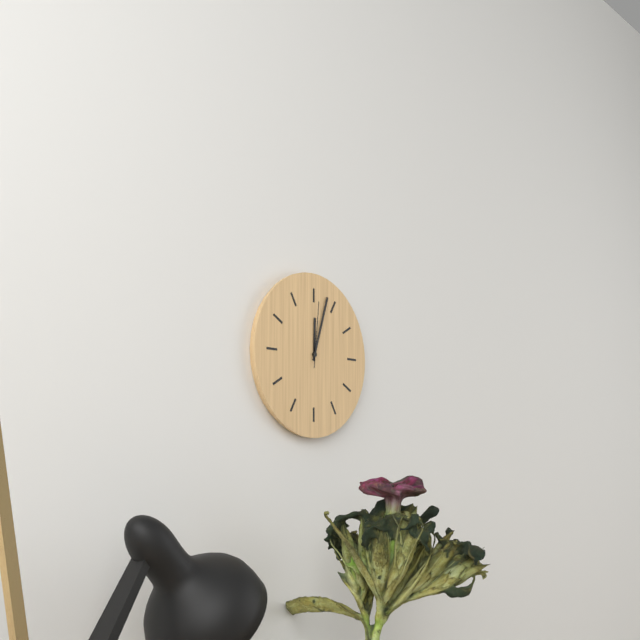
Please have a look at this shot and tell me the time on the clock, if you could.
12:03:01
